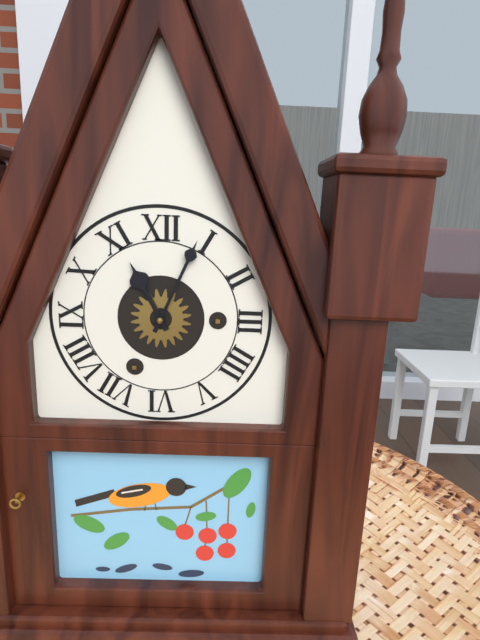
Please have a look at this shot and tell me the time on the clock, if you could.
11:04
